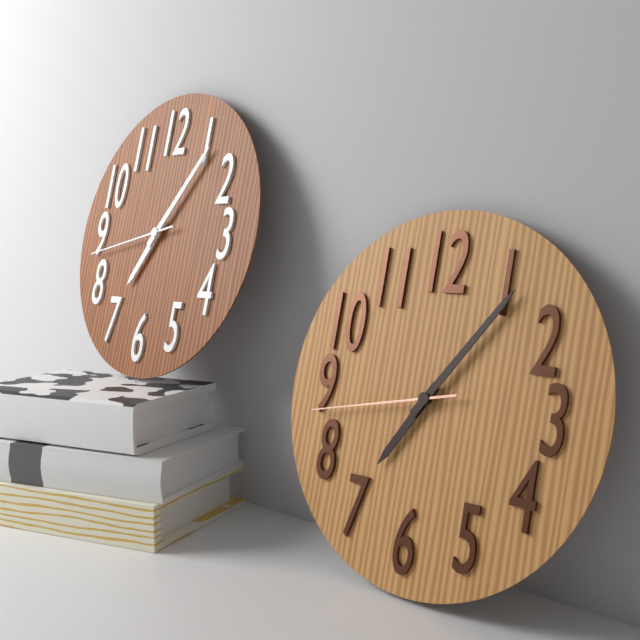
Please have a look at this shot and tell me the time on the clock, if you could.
7:06:43
